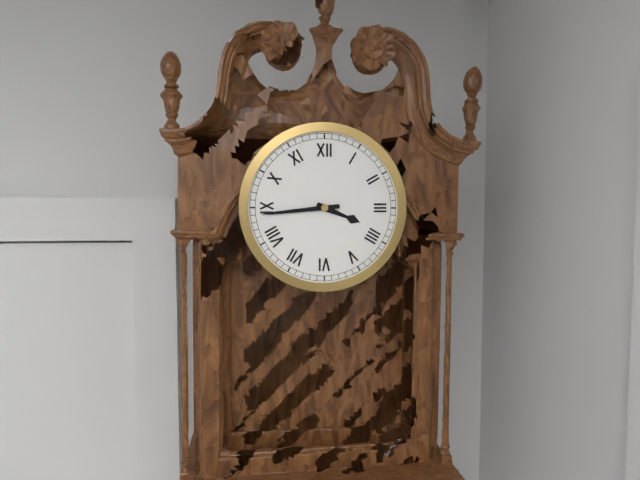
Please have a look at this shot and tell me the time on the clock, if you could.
3:44
